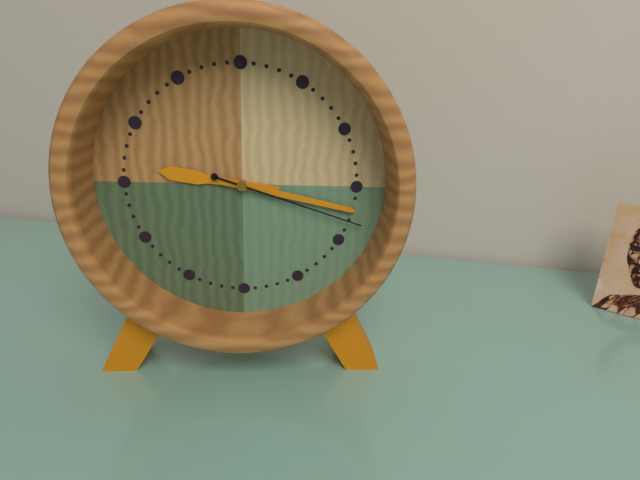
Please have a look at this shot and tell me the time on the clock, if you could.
9:17:18
